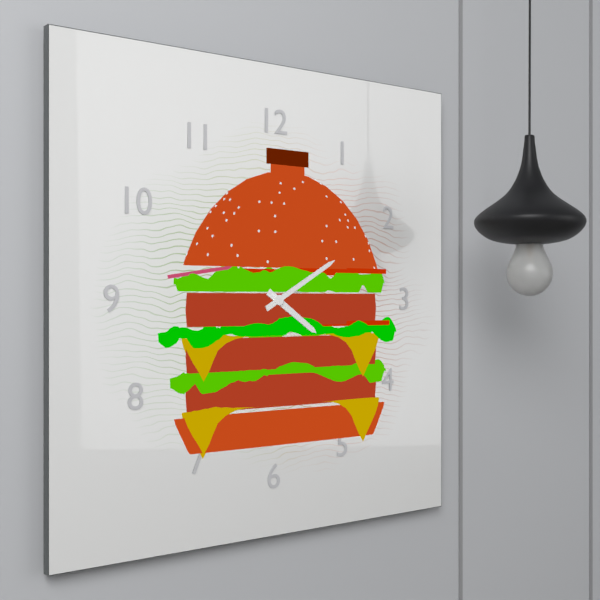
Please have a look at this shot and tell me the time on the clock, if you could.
4:10
